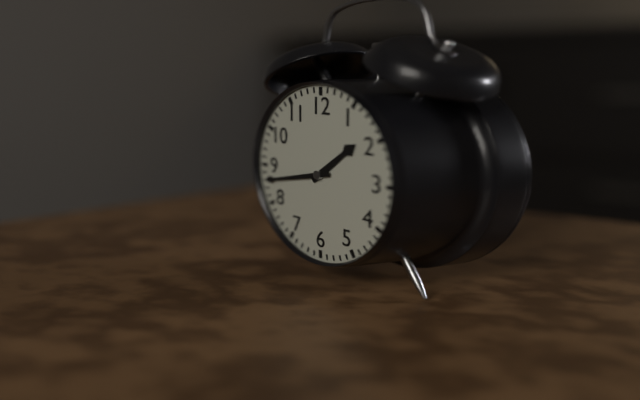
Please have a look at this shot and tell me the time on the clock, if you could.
1:43
